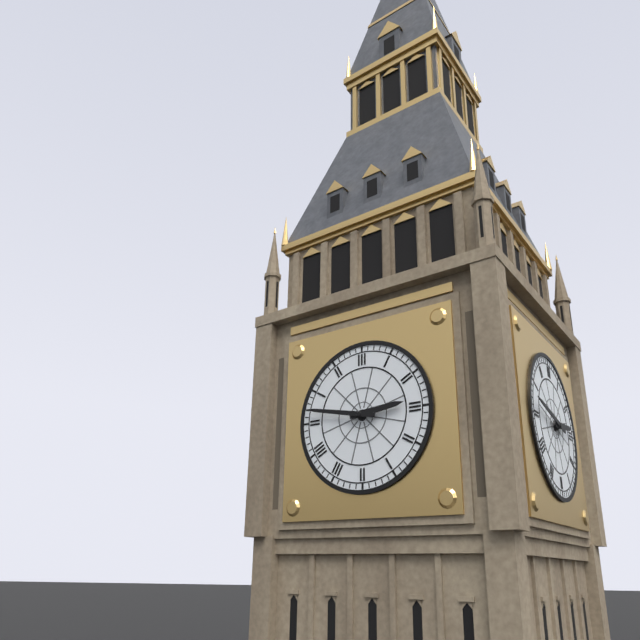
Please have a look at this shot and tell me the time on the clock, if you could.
2:47
